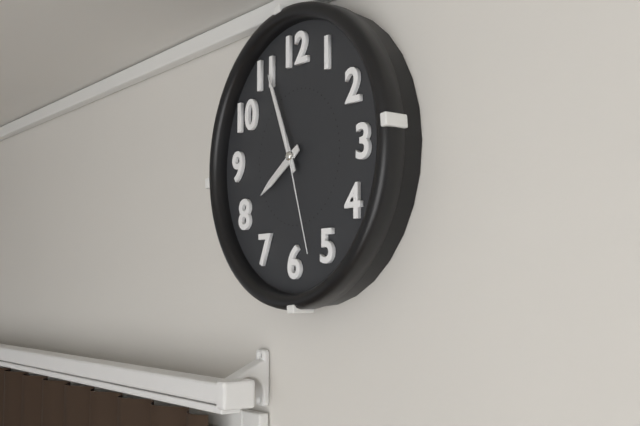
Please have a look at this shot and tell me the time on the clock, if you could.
7:56:27
